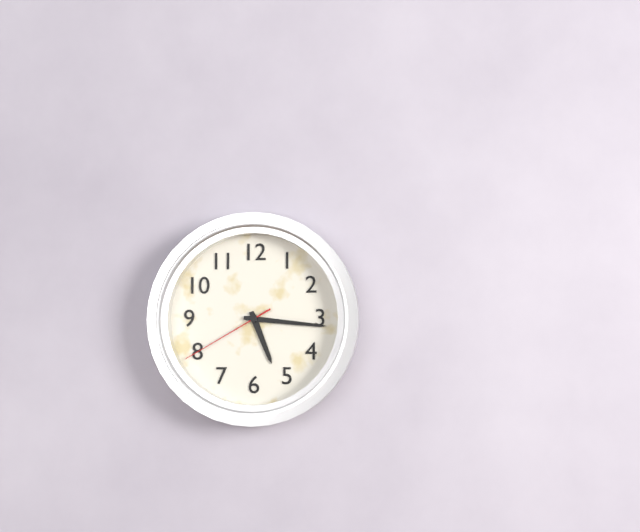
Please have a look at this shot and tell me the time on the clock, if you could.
5:16:40
